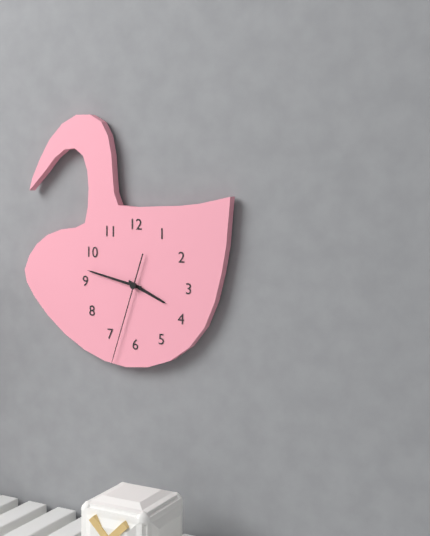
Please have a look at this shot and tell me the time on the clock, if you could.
3:47:33
